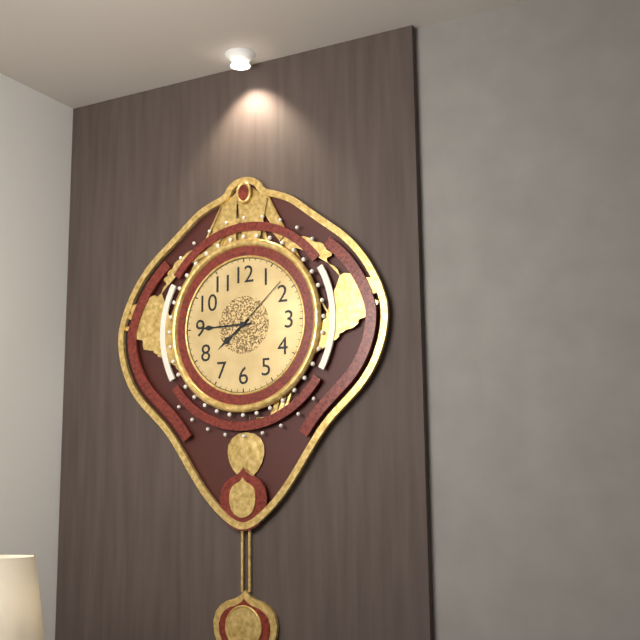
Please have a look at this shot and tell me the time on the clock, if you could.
7:45:08
